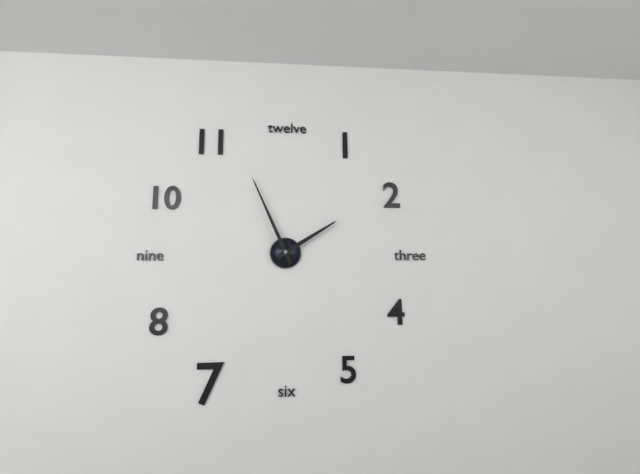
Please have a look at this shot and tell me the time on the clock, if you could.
1:56
